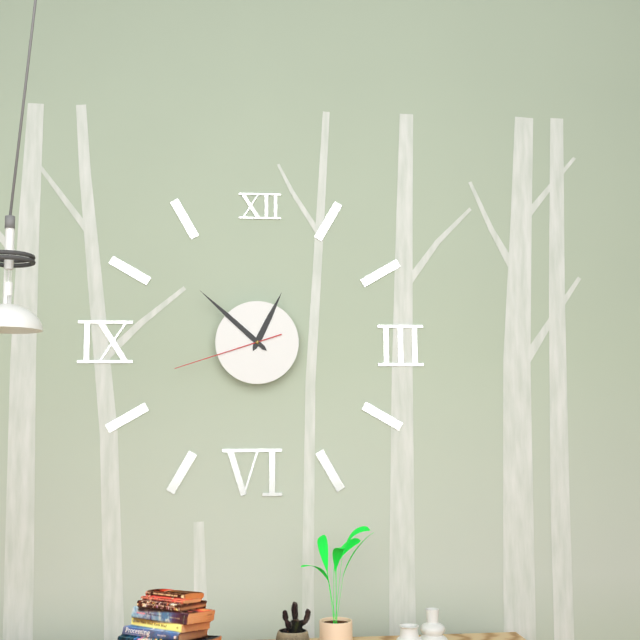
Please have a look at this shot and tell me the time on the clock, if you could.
12:52:42
